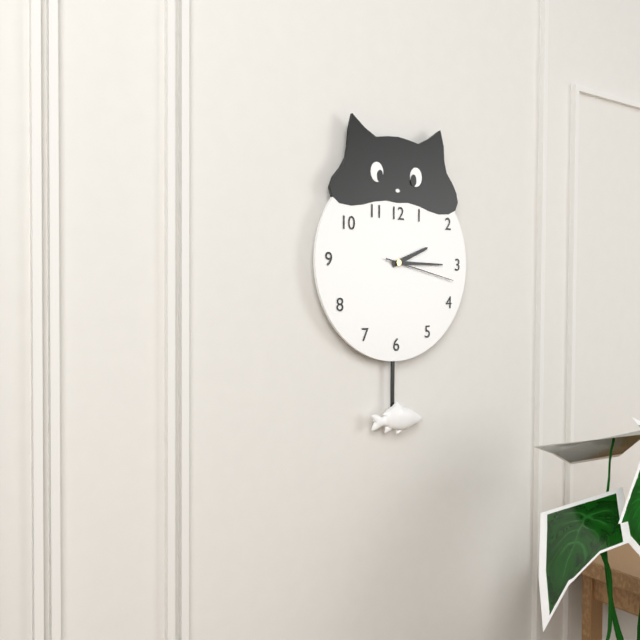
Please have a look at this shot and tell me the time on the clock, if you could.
2:15:17
